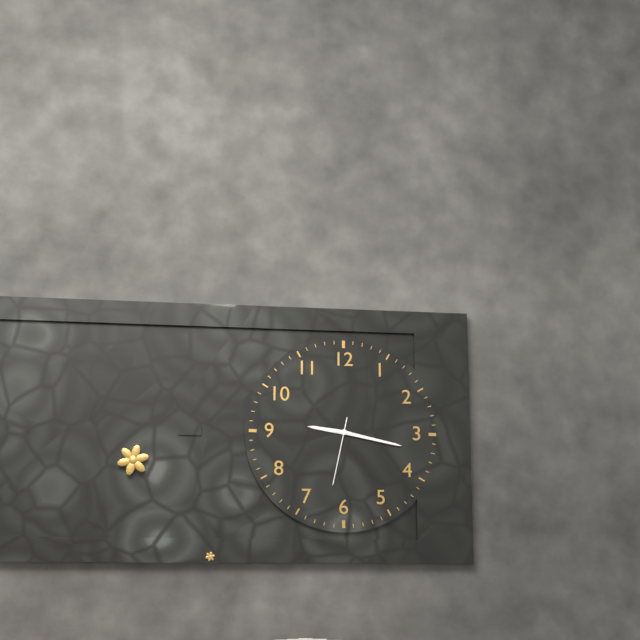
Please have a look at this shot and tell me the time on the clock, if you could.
9:17:32
